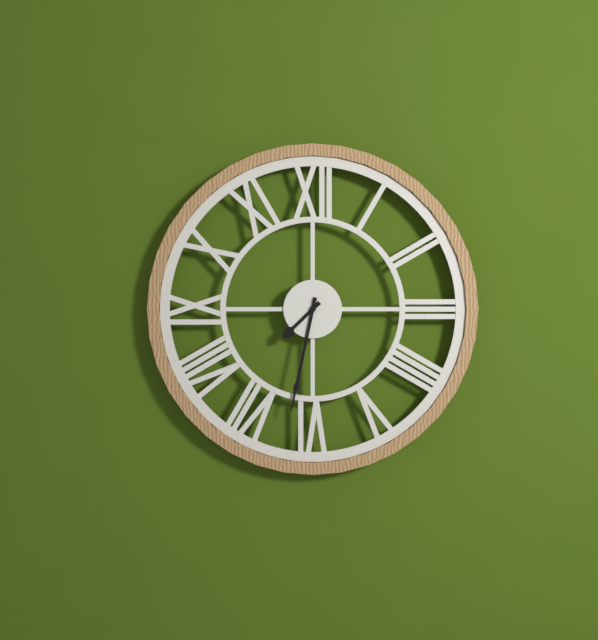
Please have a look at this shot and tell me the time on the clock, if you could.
7:32
